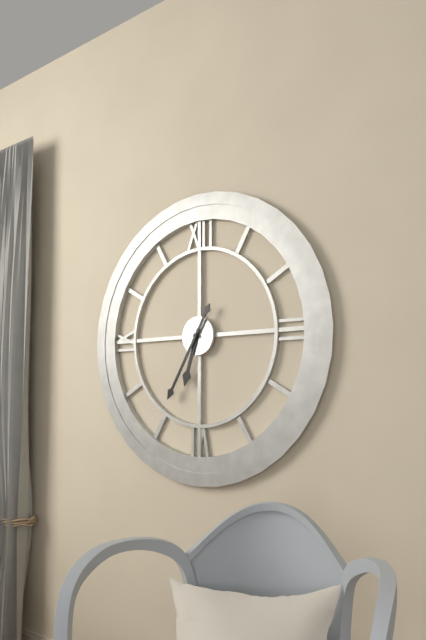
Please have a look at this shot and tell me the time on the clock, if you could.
6:35
